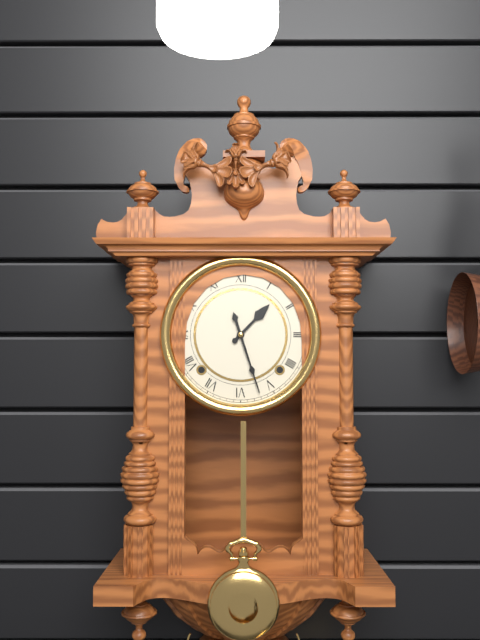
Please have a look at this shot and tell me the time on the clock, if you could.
1:27
